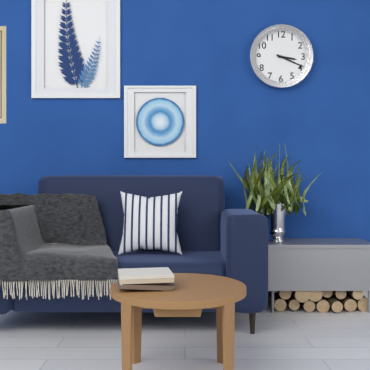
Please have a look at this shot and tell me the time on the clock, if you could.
3:19
